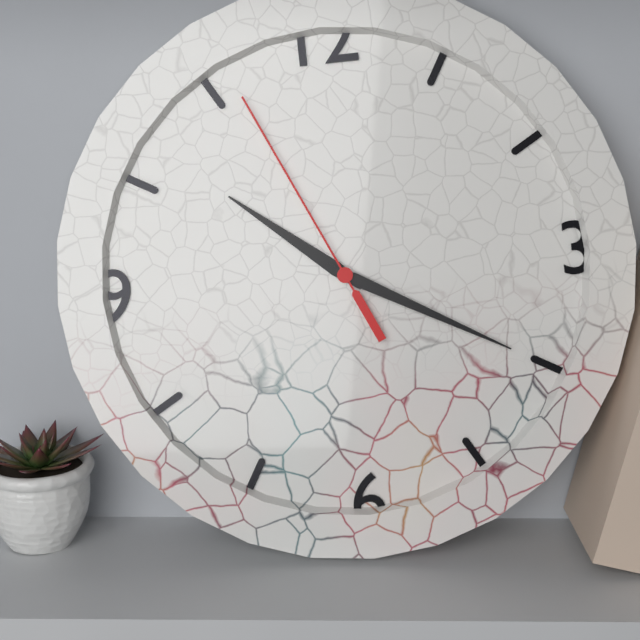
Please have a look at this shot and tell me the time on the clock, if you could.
10:20:56
